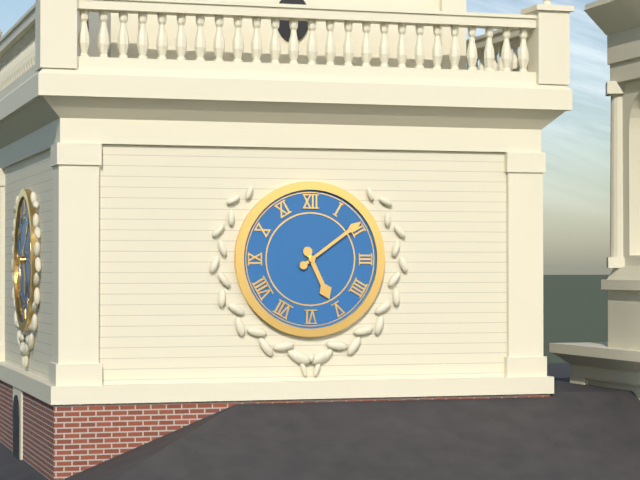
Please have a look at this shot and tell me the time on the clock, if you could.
5:09
